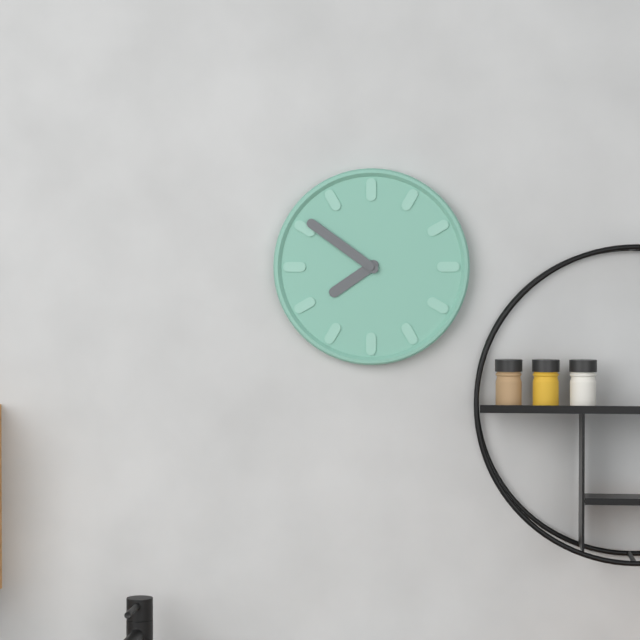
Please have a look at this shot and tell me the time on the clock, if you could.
7:51
